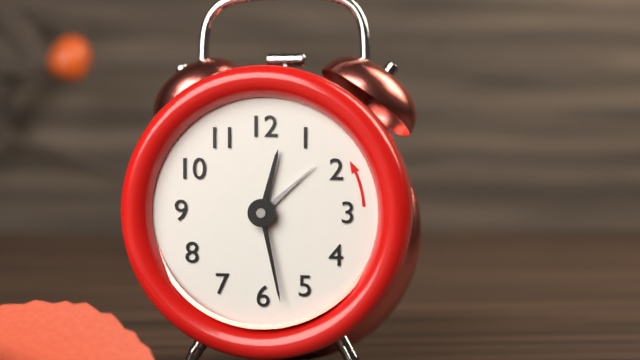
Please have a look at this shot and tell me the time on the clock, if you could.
12:28:08
